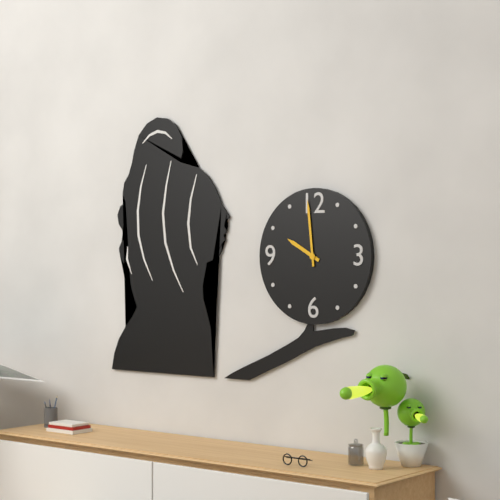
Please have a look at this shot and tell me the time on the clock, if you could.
9:59
